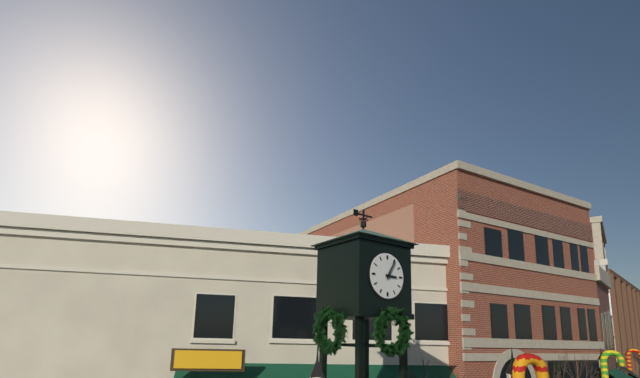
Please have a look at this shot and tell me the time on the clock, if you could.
3:05
